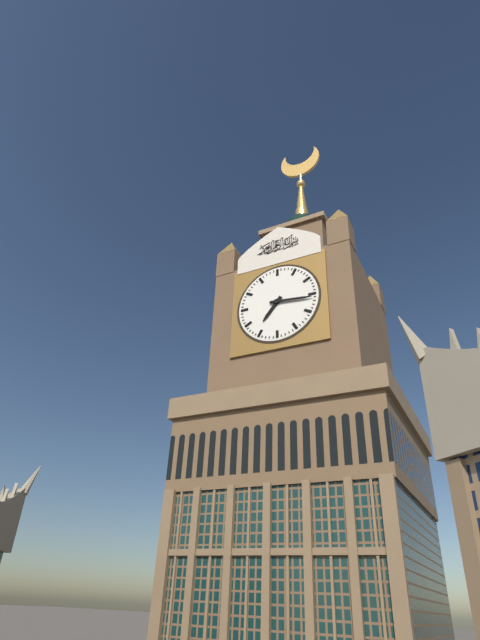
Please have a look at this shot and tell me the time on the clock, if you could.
7:16
